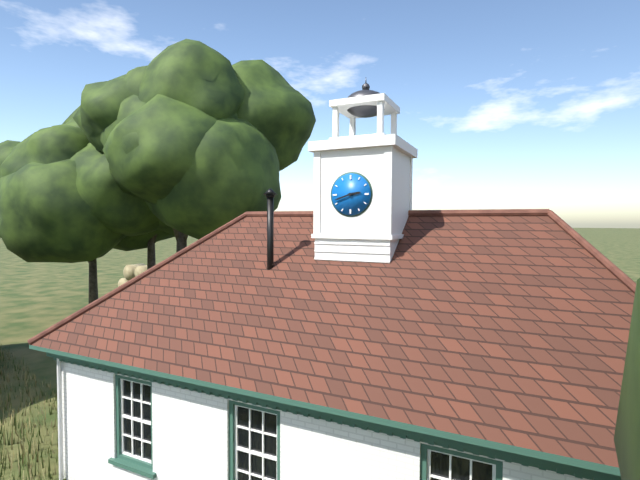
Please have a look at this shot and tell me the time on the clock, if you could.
2:42
